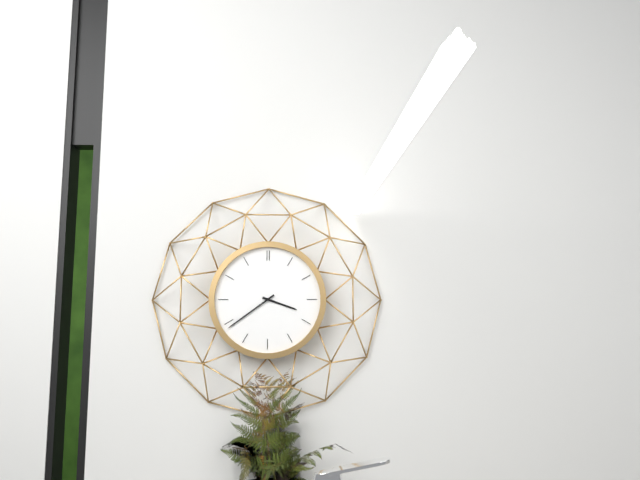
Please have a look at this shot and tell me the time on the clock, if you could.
3:39
